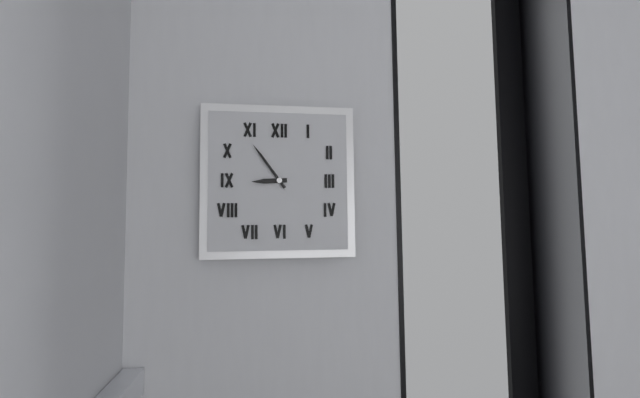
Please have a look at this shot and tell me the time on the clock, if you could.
8:54
